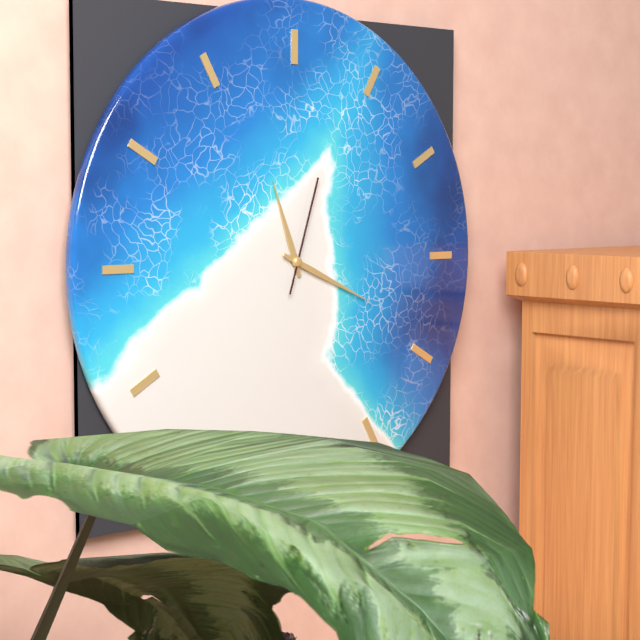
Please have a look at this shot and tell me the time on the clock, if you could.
11:19:03
